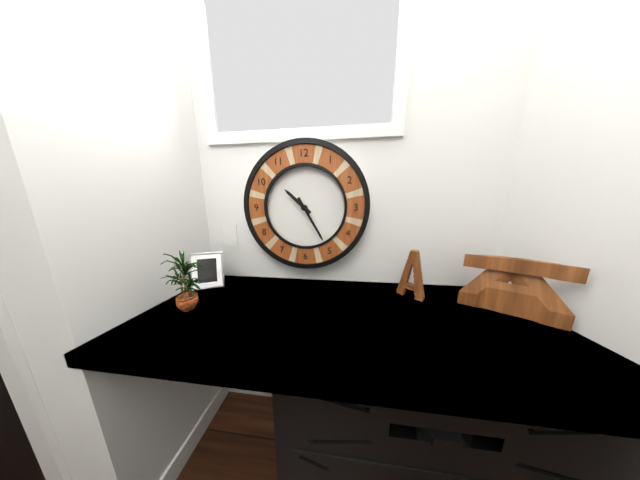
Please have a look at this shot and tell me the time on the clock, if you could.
10:25
